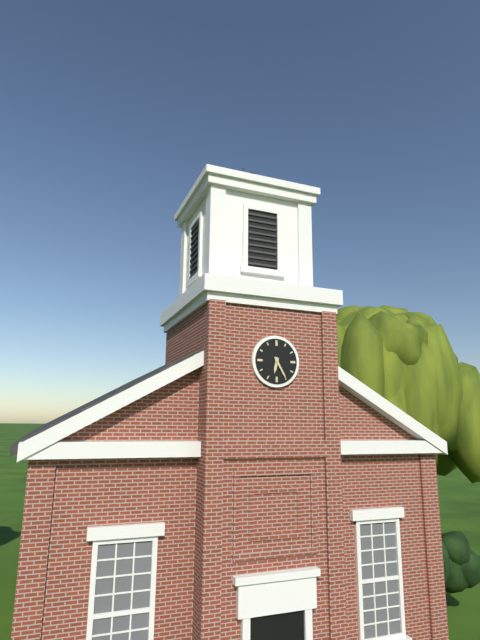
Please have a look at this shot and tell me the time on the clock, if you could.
6:25
